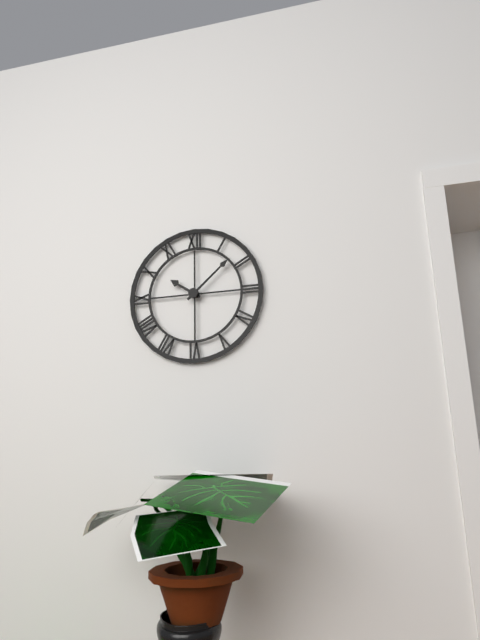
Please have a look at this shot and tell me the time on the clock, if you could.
10:08
